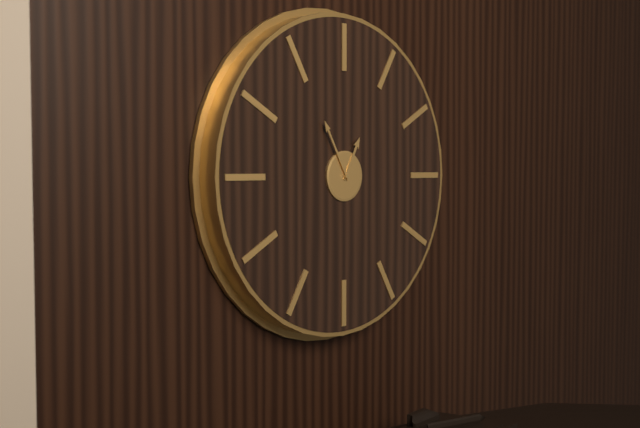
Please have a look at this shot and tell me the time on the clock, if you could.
12:55
